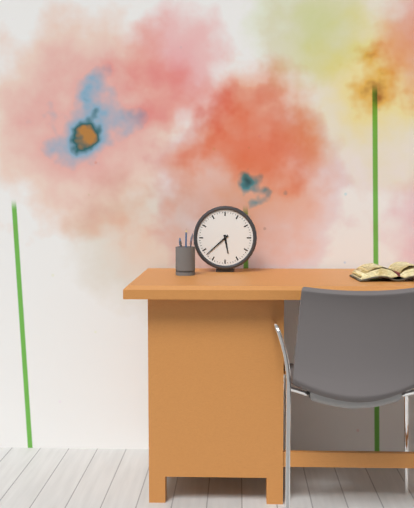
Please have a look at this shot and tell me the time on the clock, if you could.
5:38
